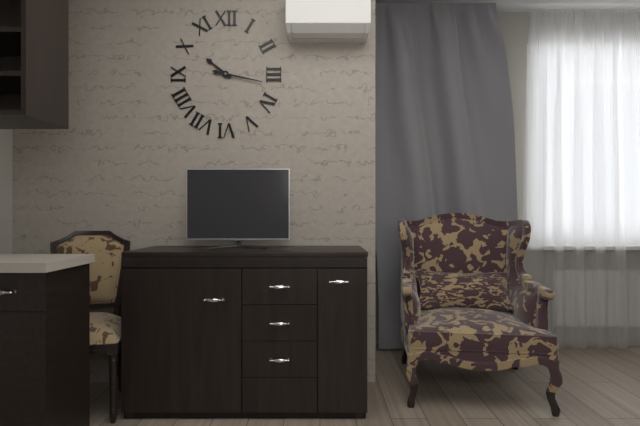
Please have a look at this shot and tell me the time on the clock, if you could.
10:17
